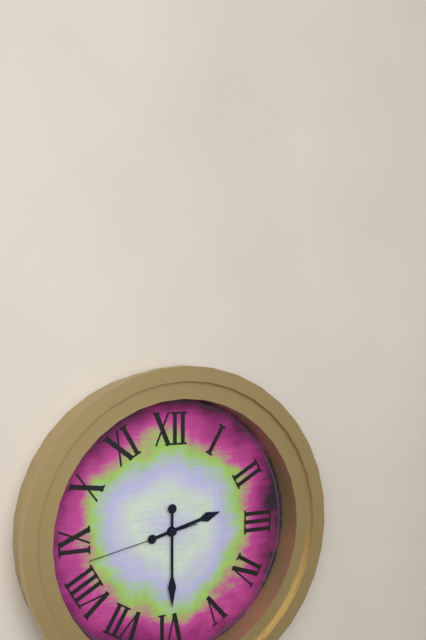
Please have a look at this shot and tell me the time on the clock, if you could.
2:30:43
